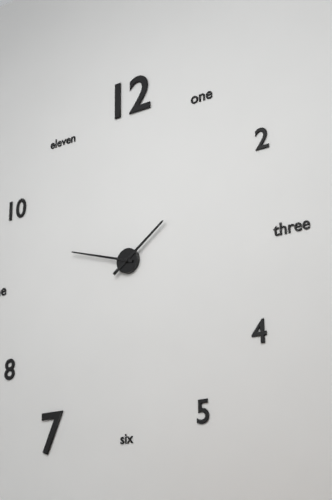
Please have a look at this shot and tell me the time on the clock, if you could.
1:48
